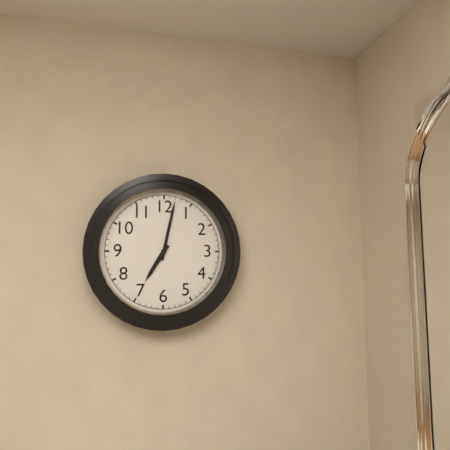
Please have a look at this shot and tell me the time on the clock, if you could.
7:02
